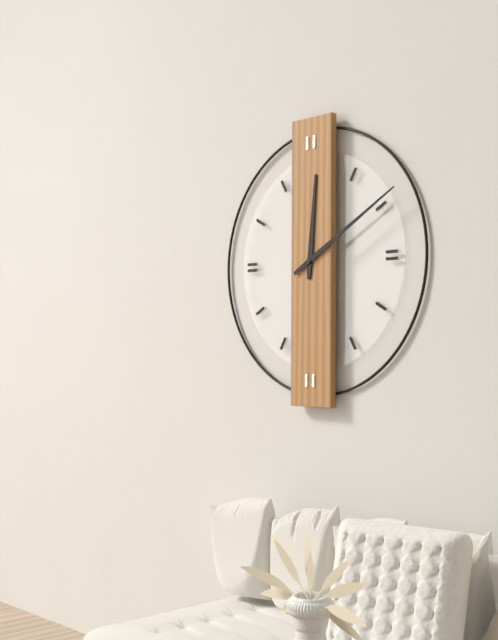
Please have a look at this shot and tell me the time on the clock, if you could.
12:10
